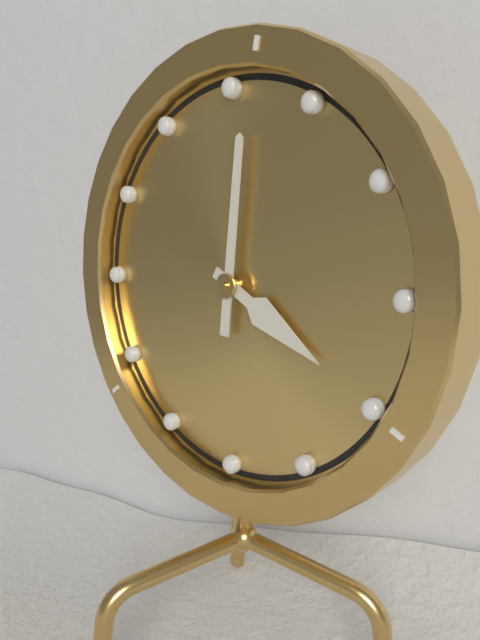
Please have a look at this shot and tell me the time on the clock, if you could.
4:01
